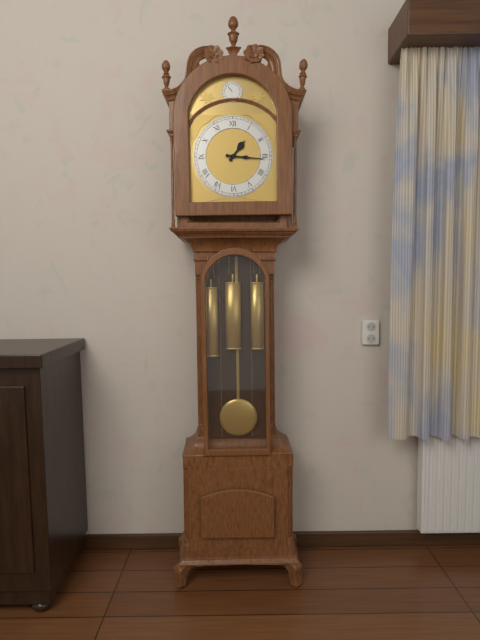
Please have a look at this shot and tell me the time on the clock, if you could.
1:16
